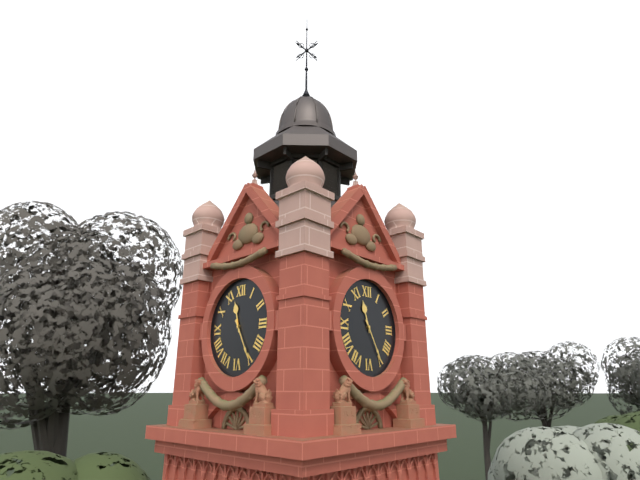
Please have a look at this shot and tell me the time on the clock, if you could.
11:25
